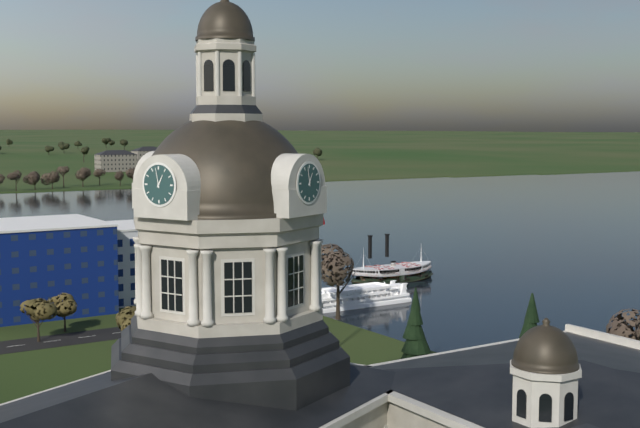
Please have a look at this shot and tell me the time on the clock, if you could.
12:58
